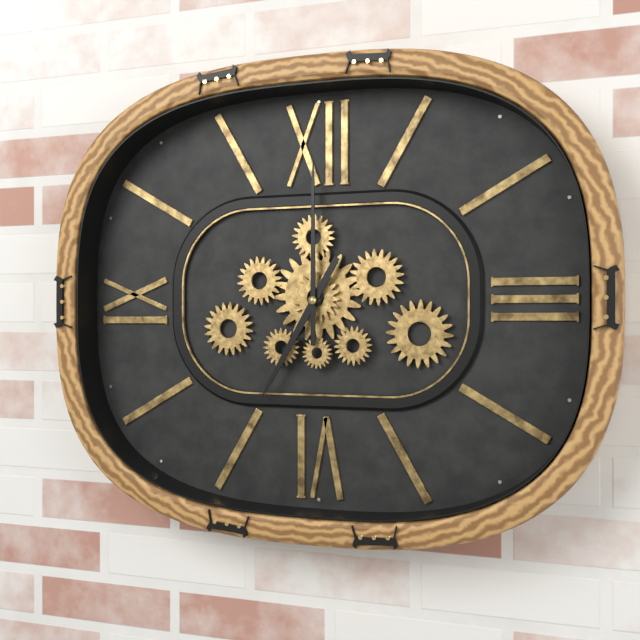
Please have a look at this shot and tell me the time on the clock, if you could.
7:00
